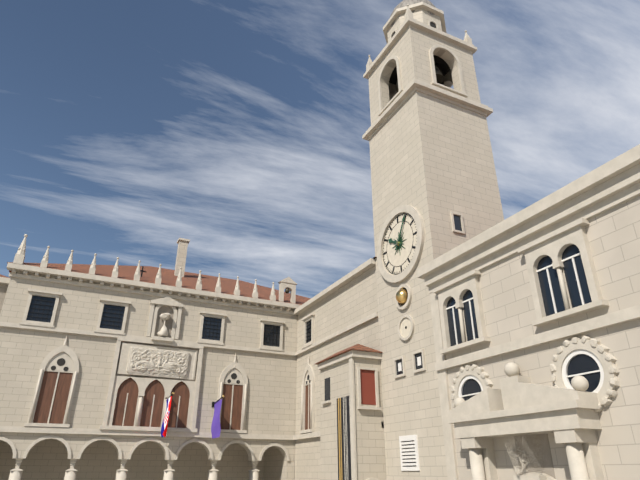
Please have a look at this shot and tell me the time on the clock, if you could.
10:05
